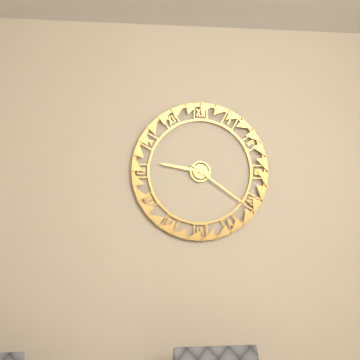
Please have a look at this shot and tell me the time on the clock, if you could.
9:21
